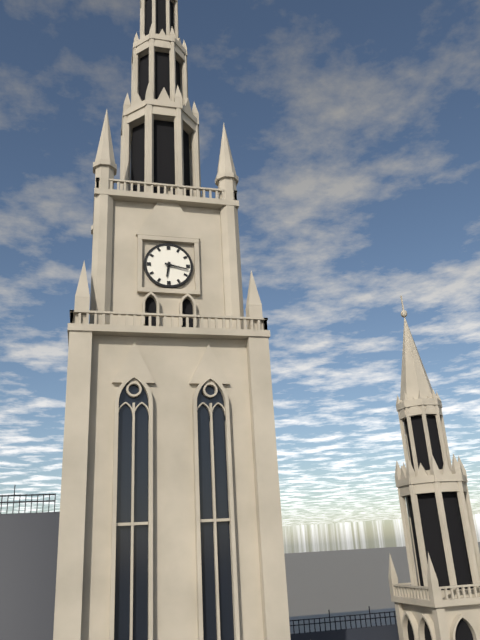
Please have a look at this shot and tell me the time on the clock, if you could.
6:17
